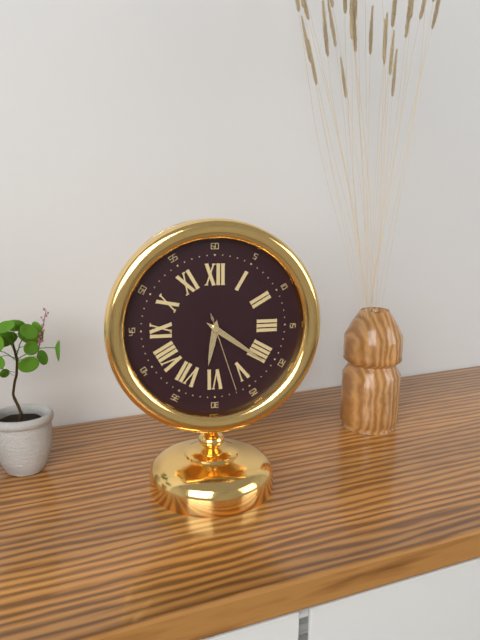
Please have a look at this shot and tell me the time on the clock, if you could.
6:21:27
